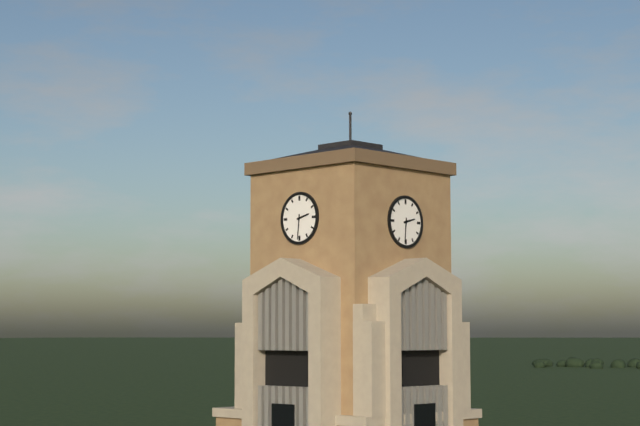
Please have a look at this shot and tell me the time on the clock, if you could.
2:31
